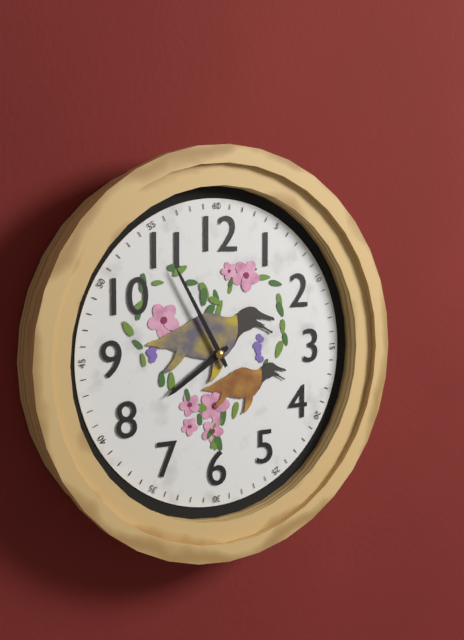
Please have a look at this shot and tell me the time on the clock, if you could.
7:55
